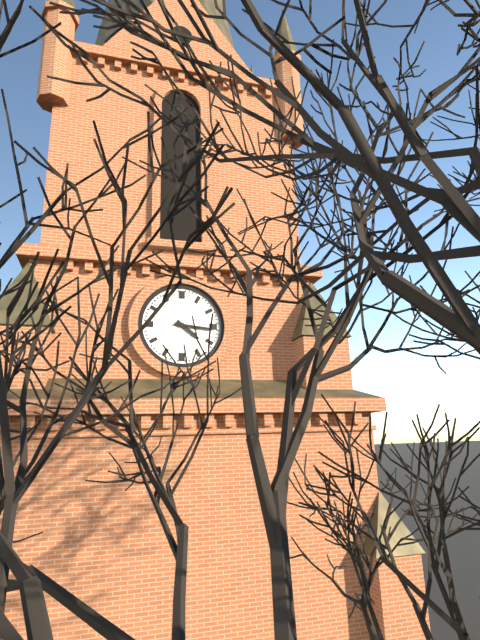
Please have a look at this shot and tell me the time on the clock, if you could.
4:16
